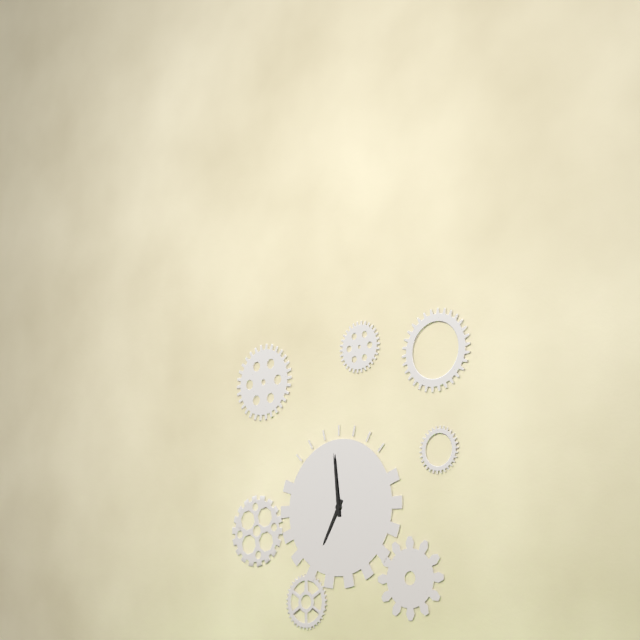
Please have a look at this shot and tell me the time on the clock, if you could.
6:59
